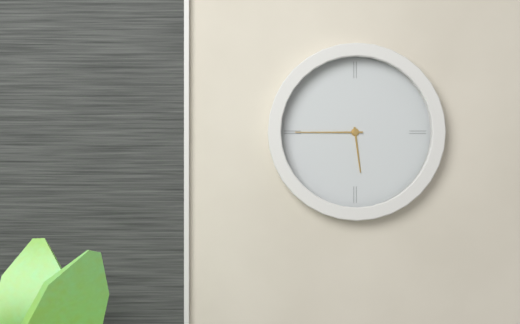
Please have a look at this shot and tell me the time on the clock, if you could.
5:45
